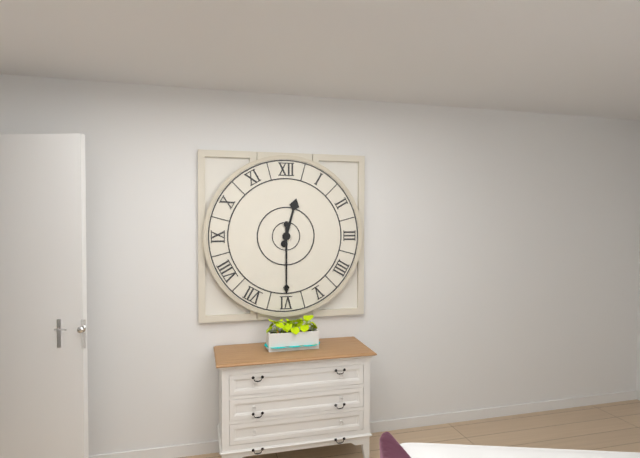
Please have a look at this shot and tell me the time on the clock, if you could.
12:30
